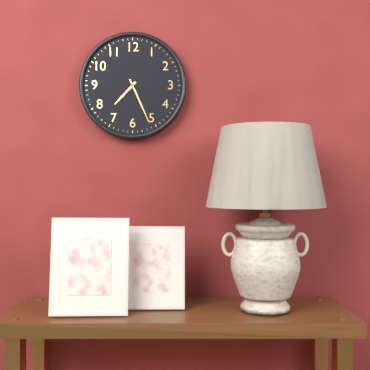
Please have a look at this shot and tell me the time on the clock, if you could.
7:26
